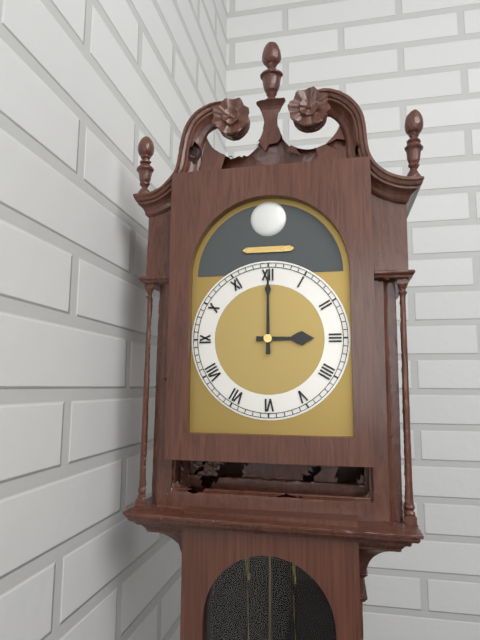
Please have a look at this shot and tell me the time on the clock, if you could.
3:00
